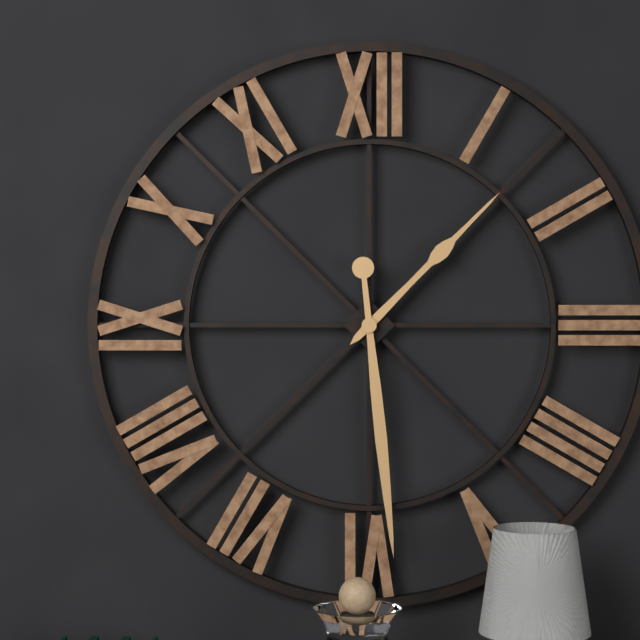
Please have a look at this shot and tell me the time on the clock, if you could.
1:29
